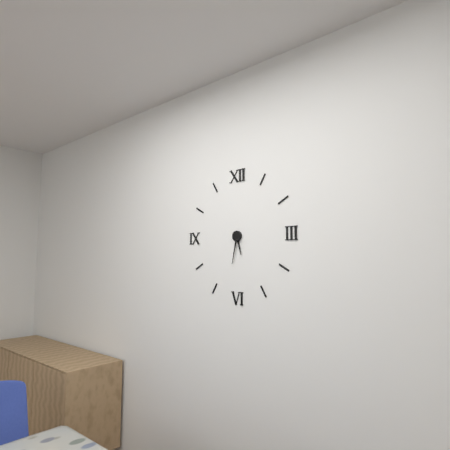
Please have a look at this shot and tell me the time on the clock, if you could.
5:32
